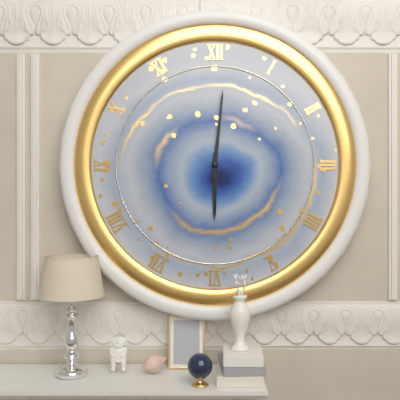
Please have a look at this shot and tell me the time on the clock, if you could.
6:01
